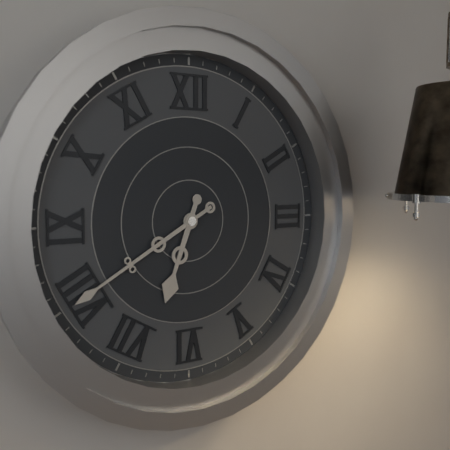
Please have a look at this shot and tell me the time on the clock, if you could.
6:40
